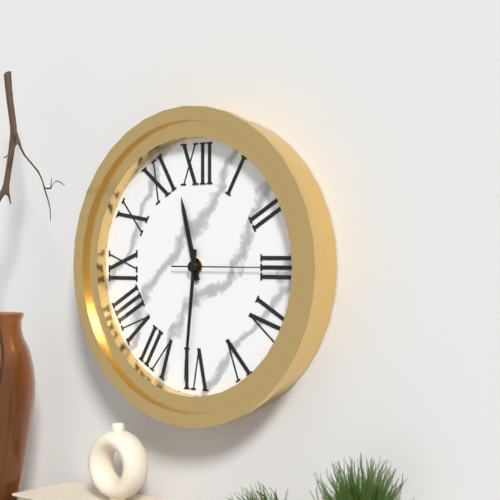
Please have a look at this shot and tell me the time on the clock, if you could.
11:31:15
